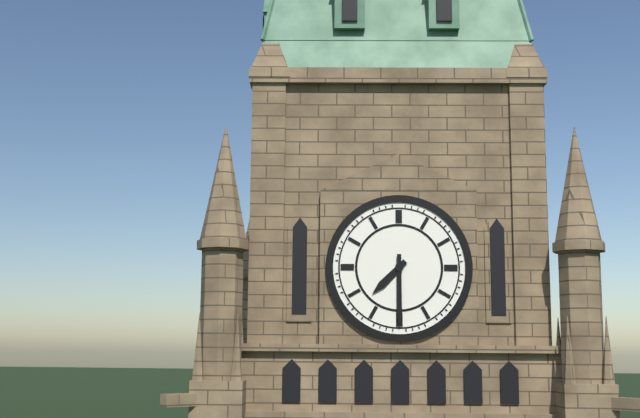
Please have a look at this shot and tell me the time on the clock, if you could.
7:30
